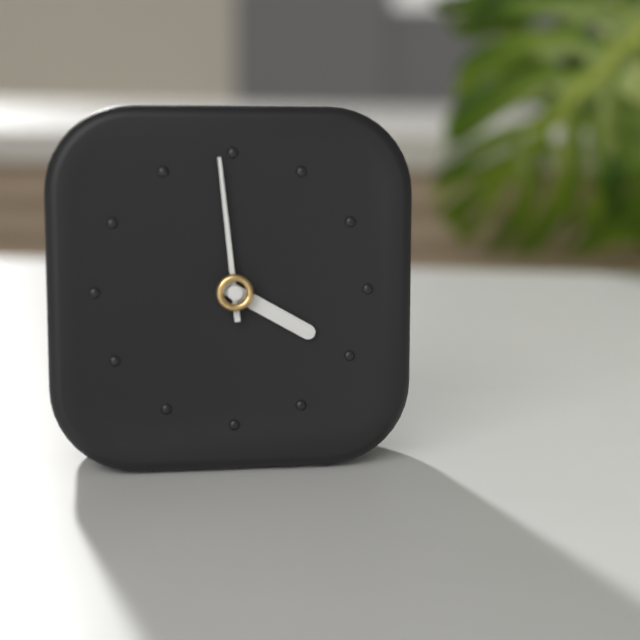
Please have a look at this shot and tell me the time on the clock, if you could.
3:59
